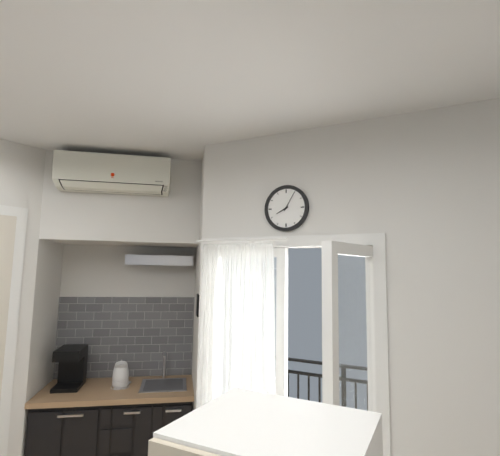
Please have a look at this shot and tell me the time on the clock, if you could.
8:05
